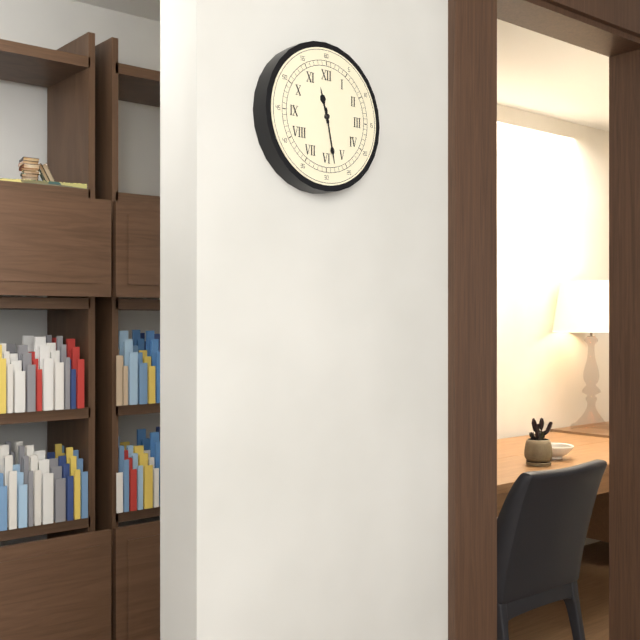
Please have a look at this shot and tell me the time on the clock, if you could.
11:28
